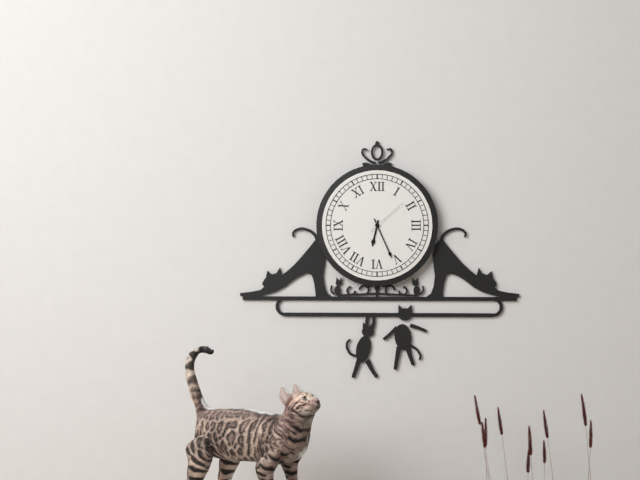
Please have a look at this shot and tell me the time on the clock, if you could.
6:26
